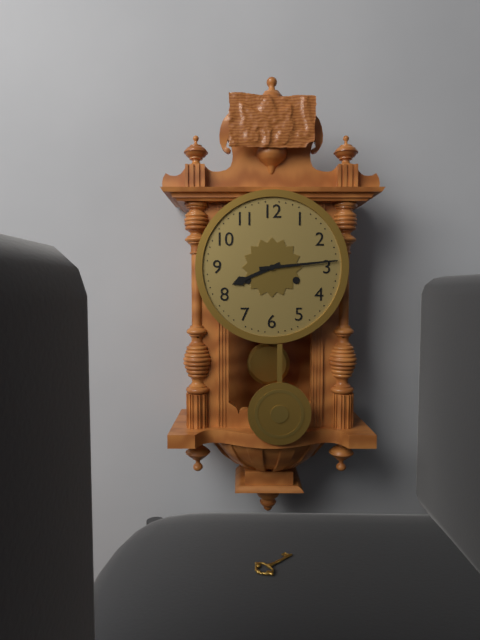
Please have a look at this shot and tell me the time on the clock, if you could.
8:14
